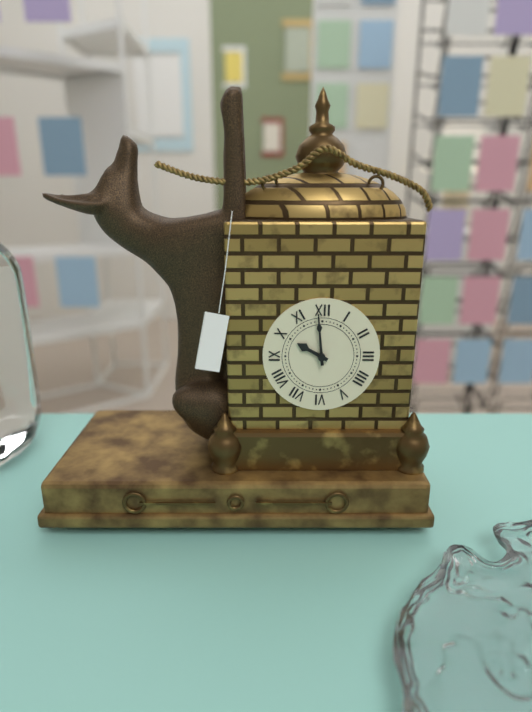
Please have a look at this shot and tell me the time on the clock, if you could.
9:59
